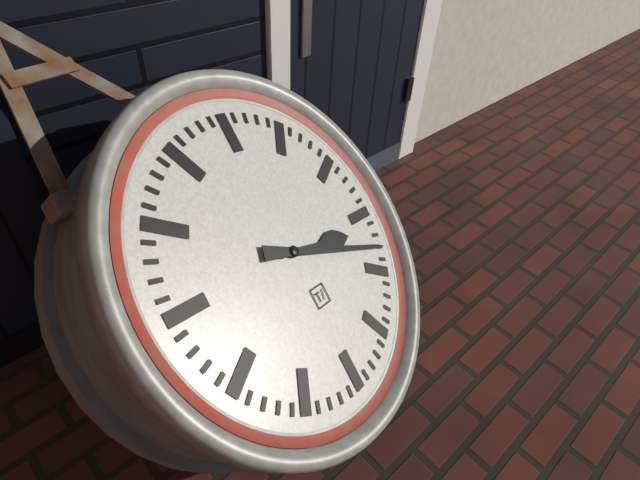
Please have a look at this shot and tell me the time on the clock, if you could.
3:18
